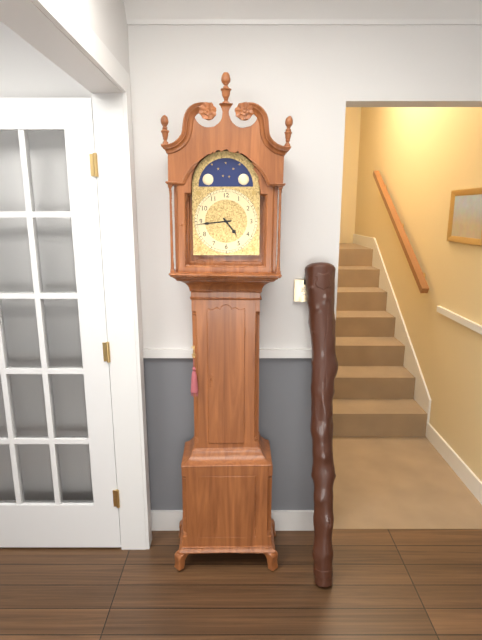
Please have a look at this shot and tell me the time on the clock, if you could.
4:44
